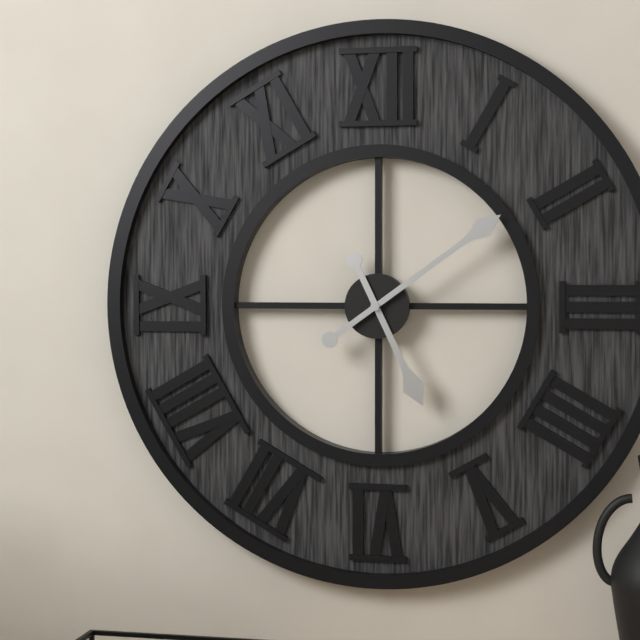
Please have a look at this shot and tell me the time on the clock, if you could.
5:09
